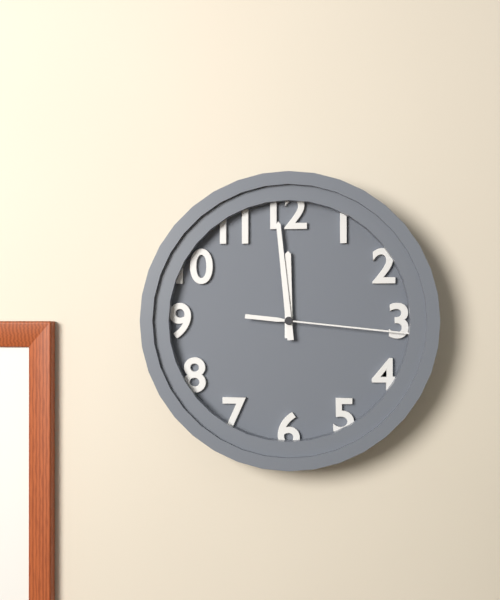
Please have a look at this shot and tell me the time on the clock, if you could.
11:59:16
